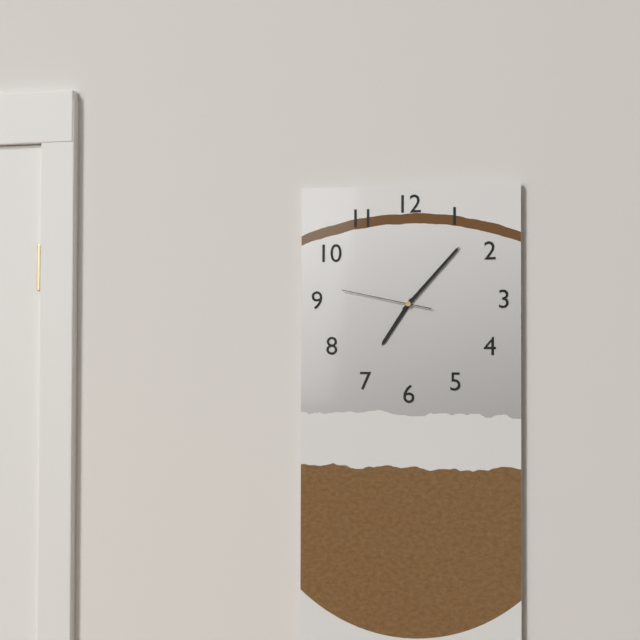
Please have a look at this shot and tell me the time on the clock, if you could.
7:07:47
